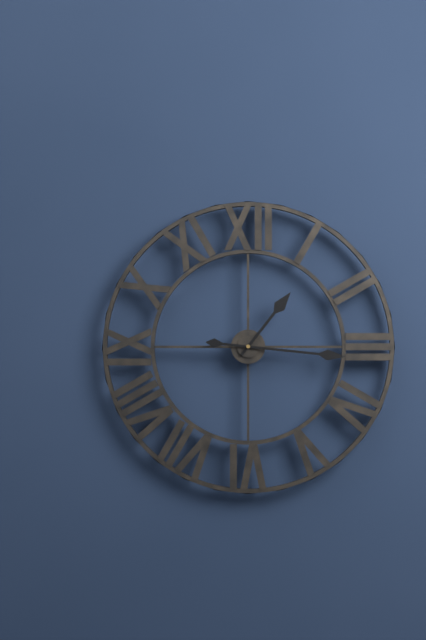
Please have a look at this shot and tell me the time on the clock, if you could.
1:16
